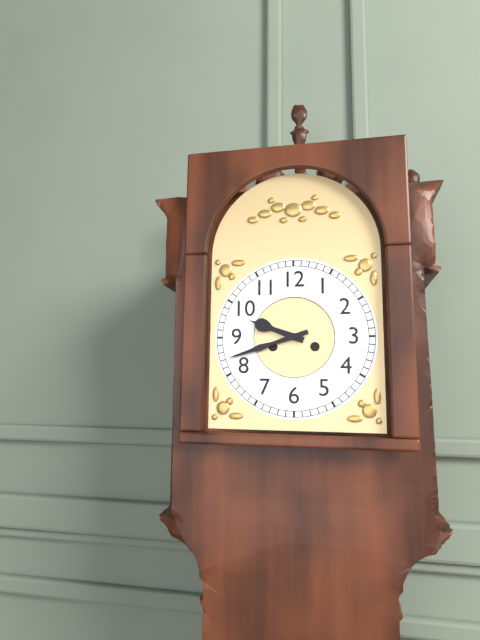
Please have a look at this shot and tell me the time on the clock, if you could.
9:42
